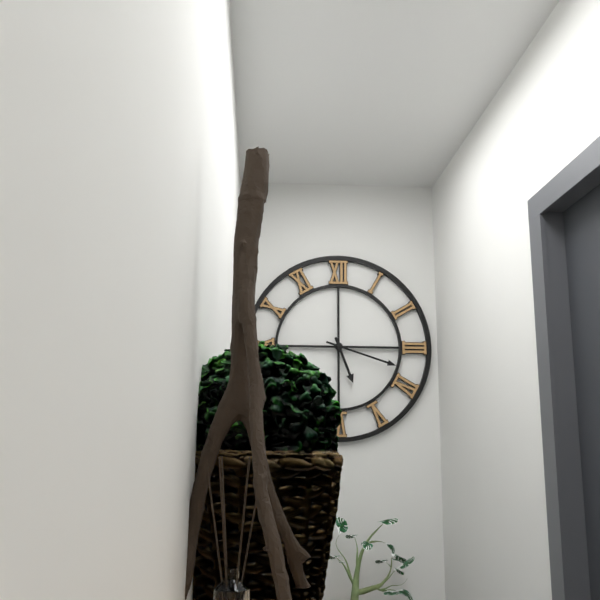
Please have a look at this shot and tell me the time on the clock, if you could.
5:18
